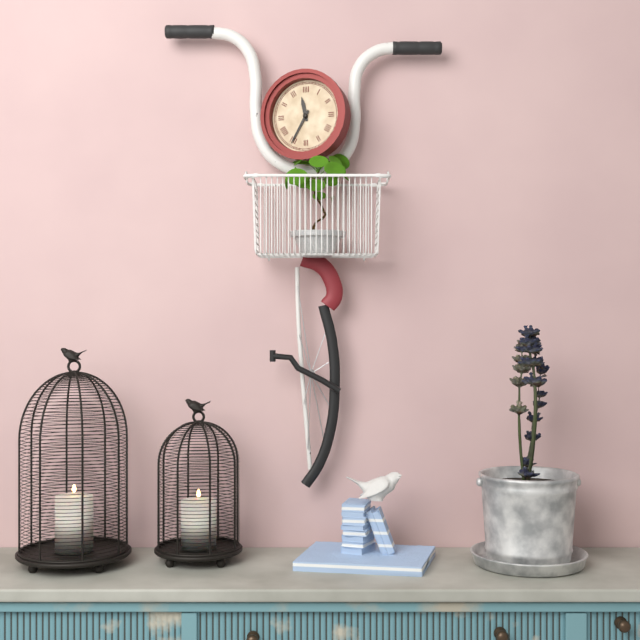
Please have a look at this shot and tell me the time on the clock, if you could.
11:35
